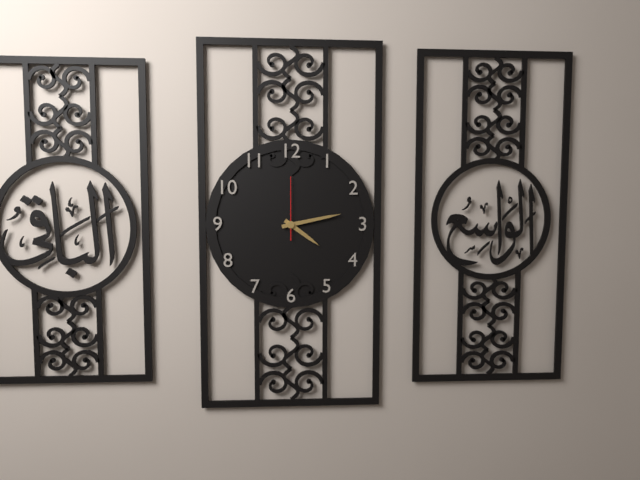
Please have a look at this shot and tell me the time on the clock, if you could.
4:13:00
